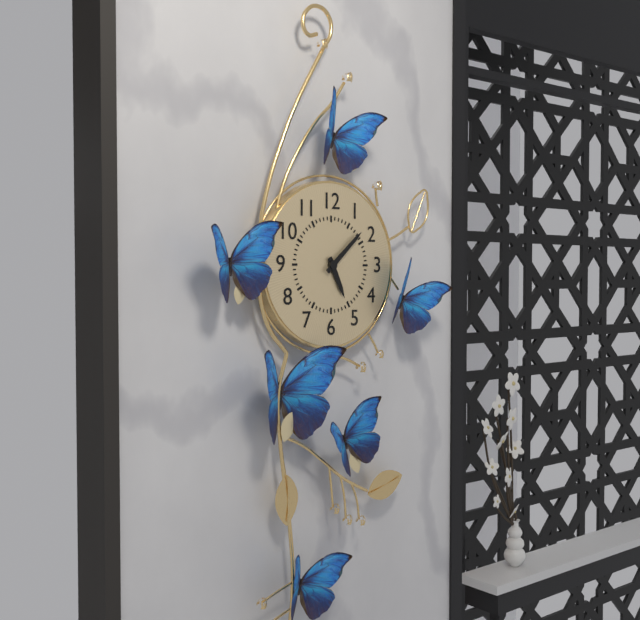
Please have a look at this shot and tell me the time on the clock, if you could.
5:08
